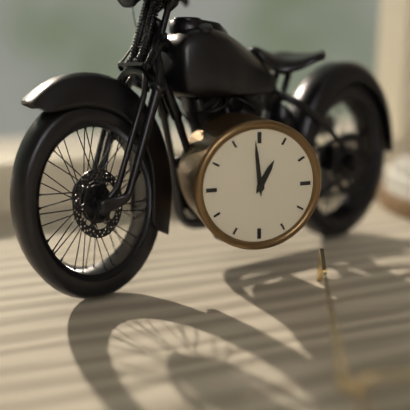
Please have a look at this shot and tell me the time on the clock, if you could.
12:59
